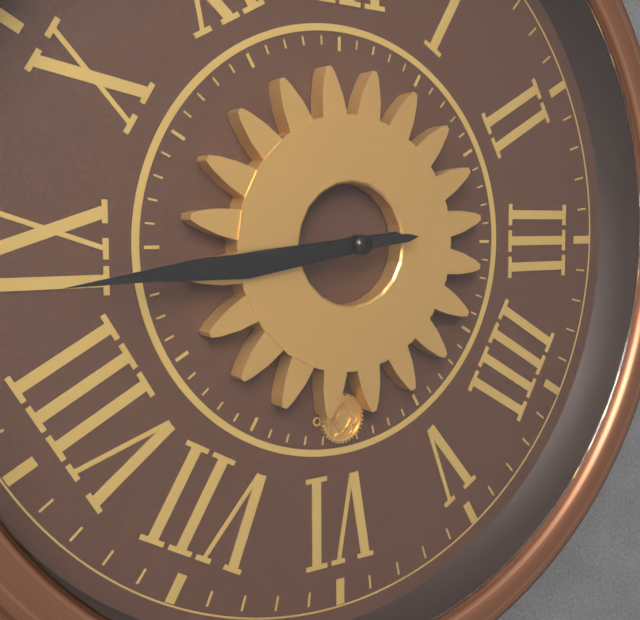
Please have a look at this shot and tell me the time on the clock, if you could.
8:44
